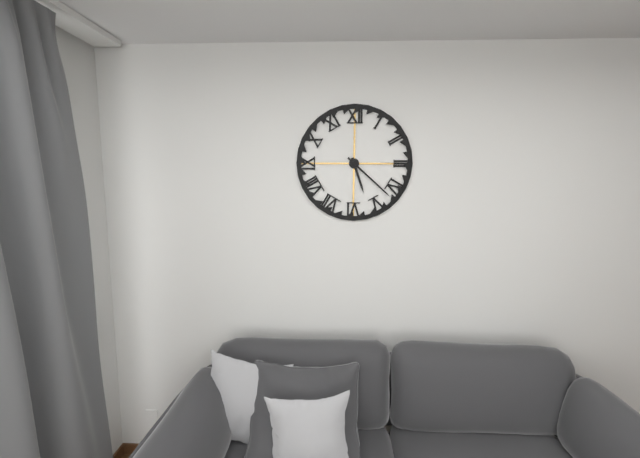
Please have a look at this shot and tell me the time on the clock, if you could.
5:22
